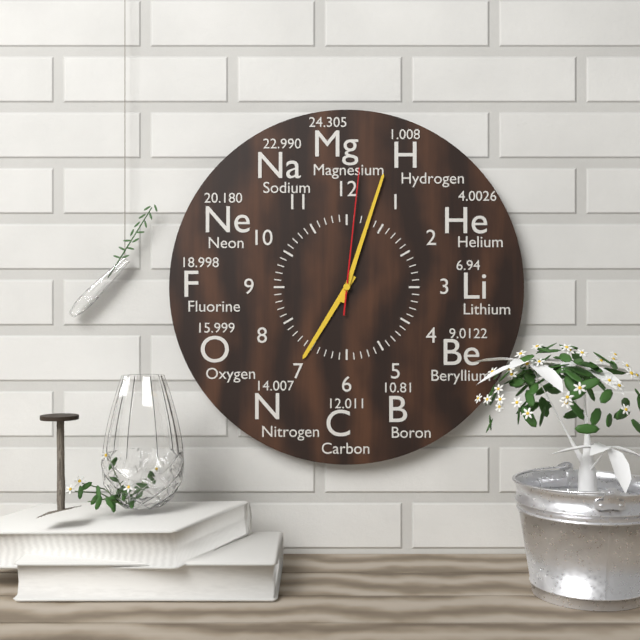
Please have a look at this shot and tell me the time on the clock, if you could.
7:03:01
